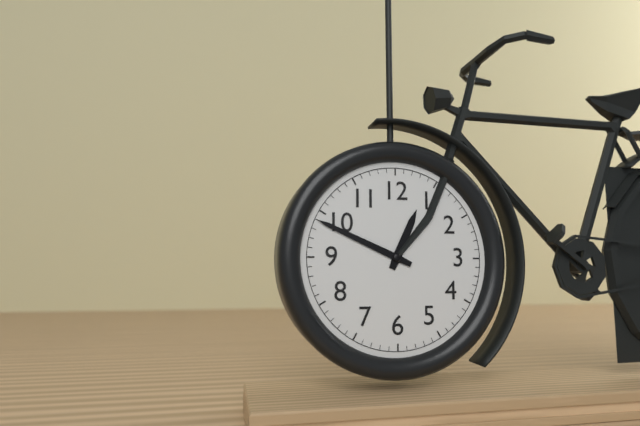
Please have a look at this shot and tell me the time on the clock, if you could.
12:49
